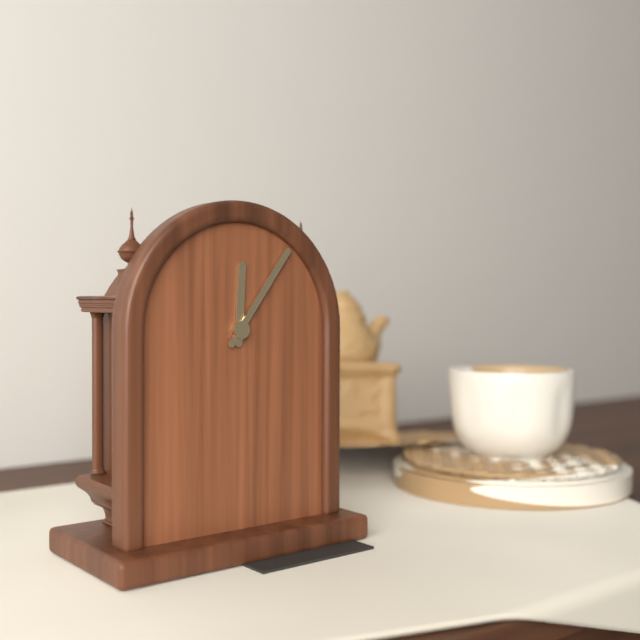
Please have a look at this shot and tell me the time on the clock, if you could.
12:06
